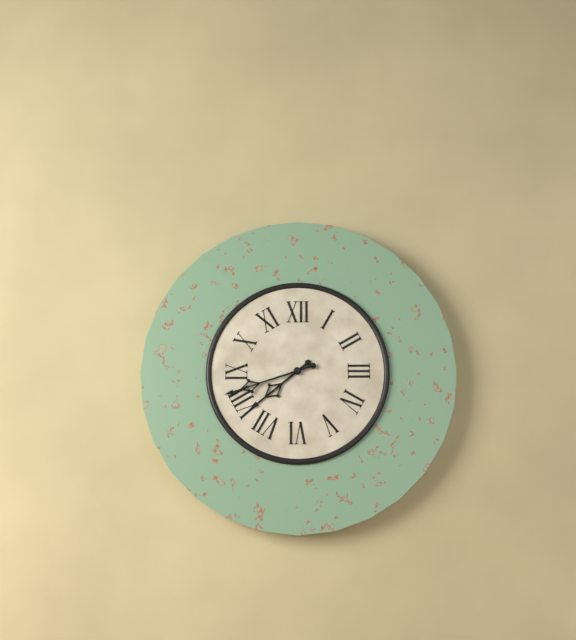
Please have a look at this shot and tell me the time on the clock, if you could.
7:42
